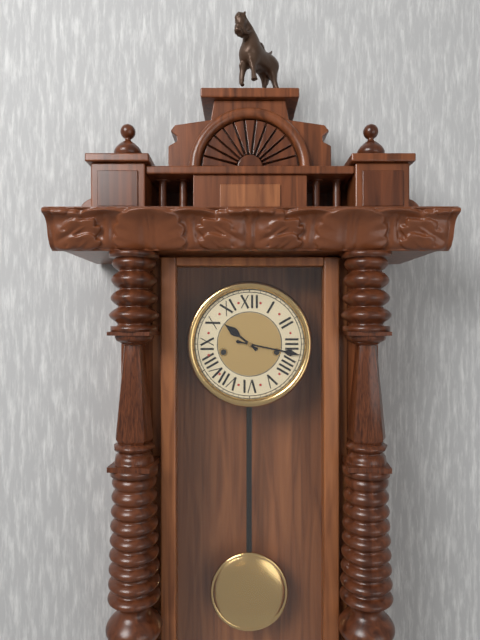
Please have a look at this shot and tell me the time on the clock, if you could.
10:17
